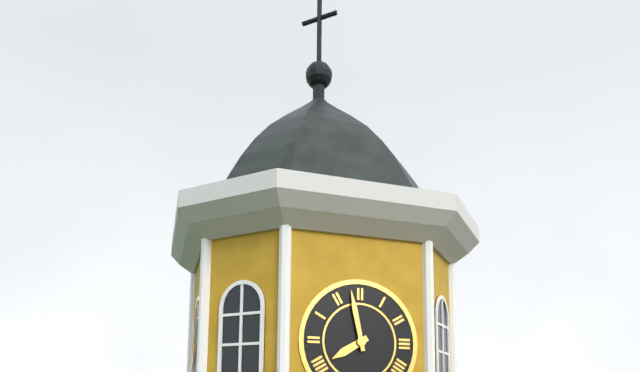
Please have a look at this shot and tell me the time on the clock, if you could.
7:58
